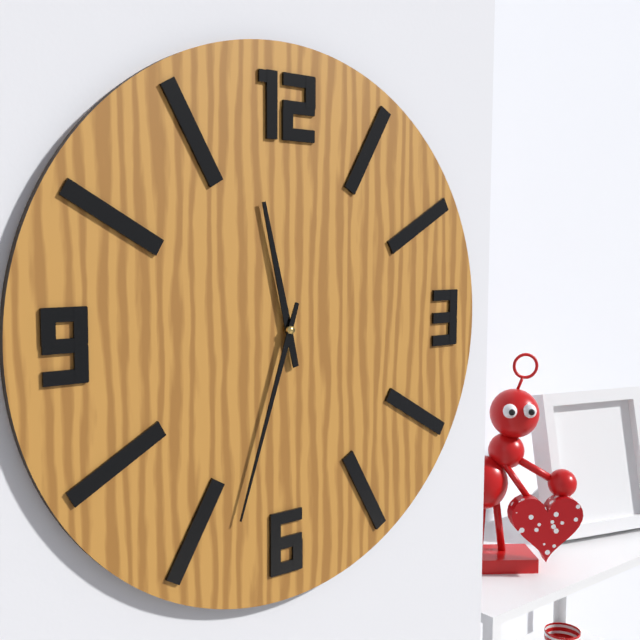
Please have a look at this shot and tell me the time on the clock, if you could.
11:33
